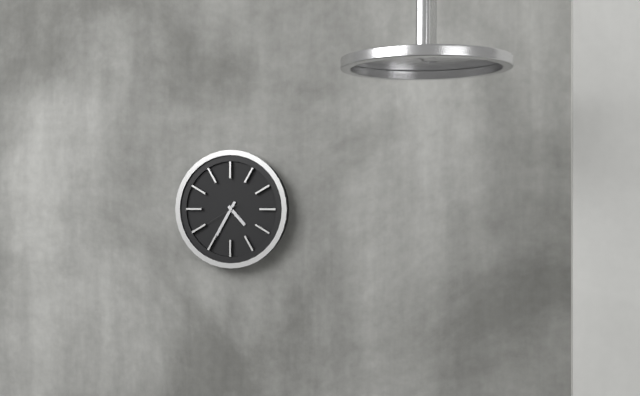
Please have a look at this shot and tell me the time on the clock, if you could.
4:35:40
